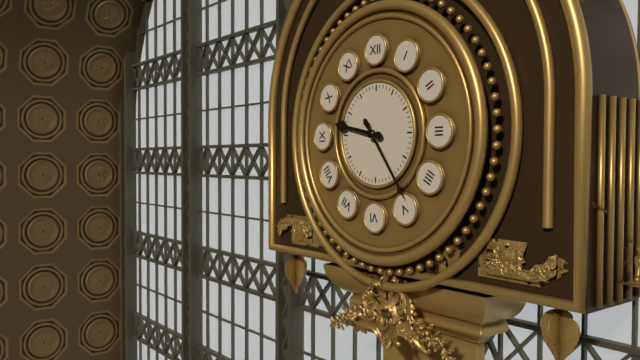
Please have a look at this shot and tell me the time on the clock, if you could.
9:24
